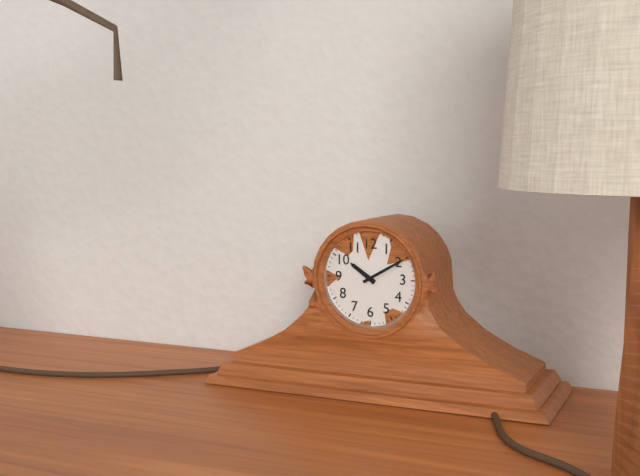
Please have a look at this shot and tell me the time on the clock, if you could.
10:10
